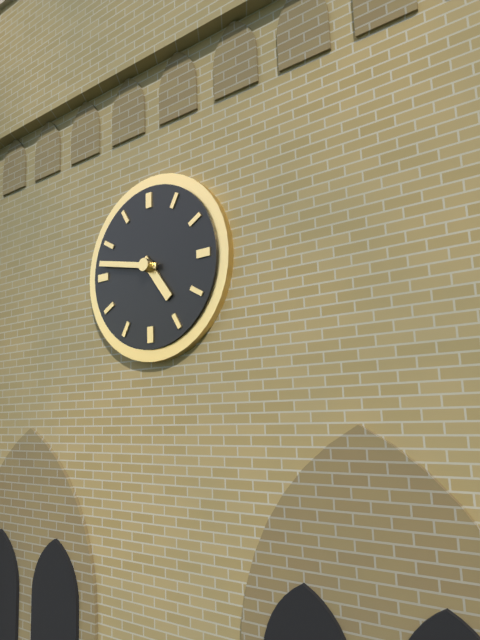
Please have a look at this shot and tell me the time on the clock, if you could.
4:47
